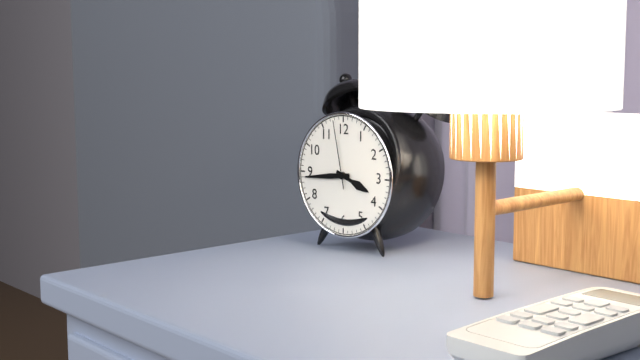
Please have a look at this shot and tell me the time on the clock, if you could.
3:44:58
